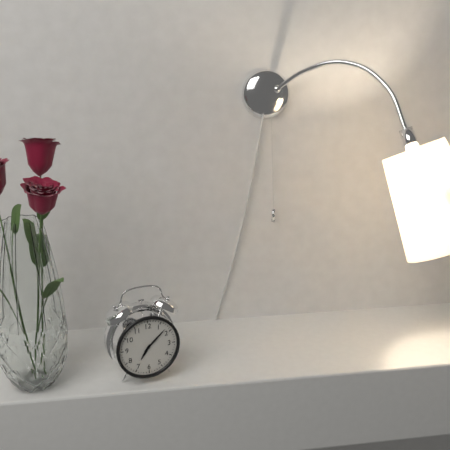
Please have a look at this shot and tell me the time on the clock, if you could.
7:08
